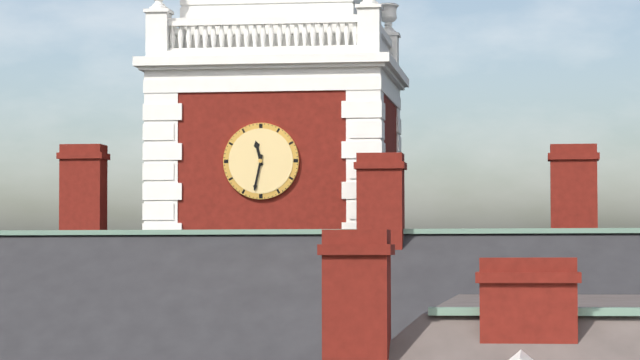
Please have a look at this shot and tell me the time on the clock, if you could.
11:32
